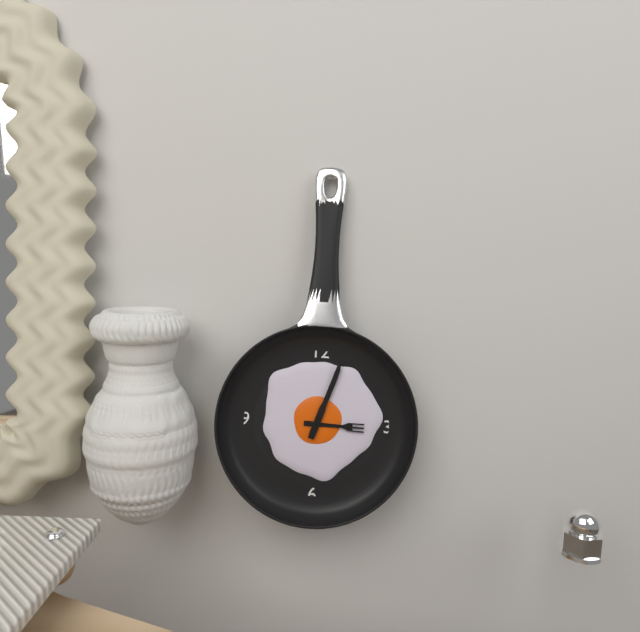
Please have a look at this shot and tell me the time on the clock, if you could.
3:03
